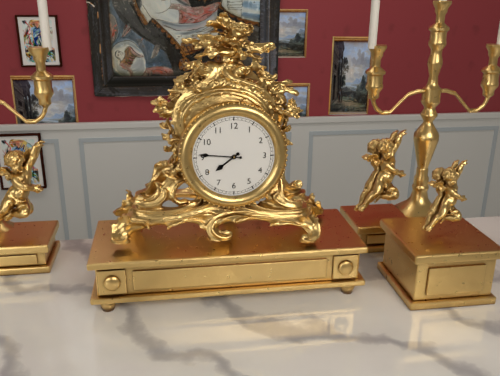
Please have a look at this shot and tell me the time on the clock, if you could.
7:46
